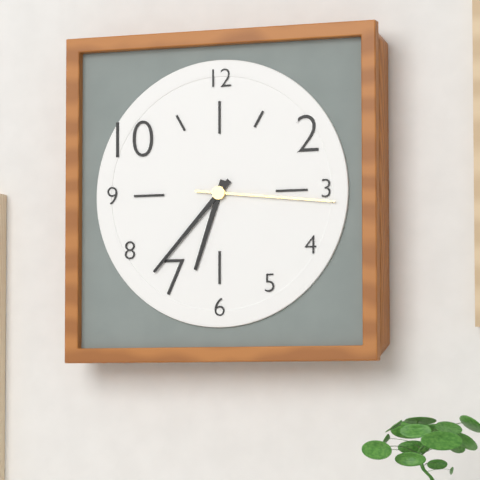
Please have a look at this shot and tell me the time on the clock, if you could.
6:37:16
